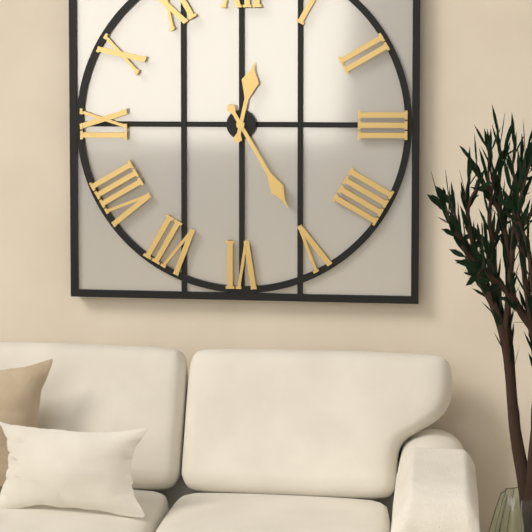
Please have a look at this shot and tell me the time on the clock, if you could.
12:25
